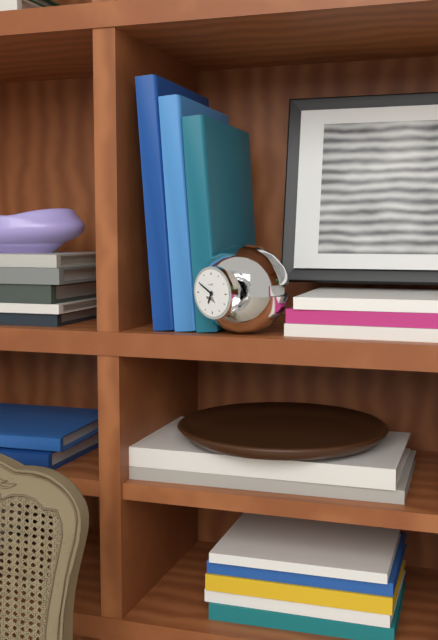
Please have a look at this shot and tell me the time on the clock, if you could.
6:50
